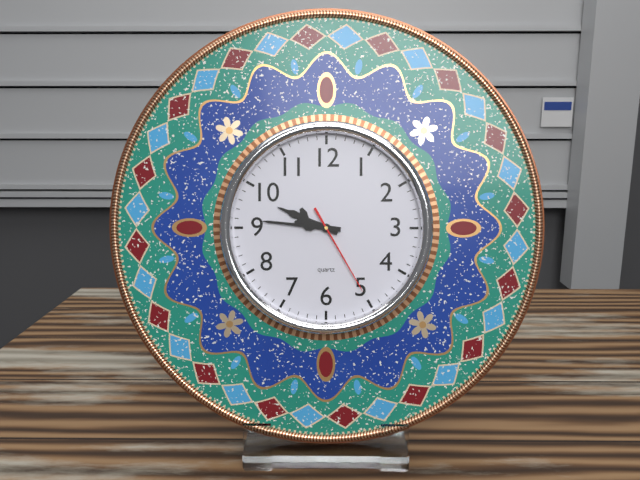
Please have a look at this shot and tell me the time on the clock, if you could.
9:46:25
